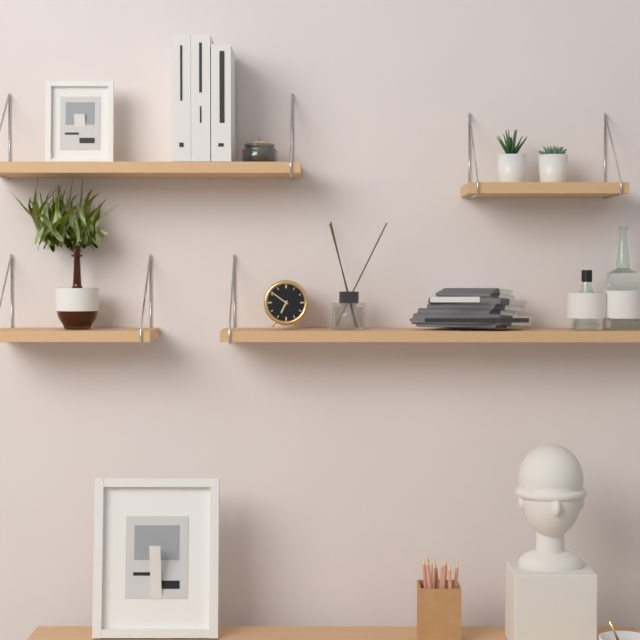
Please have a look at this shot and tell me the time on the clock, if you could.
6:51
